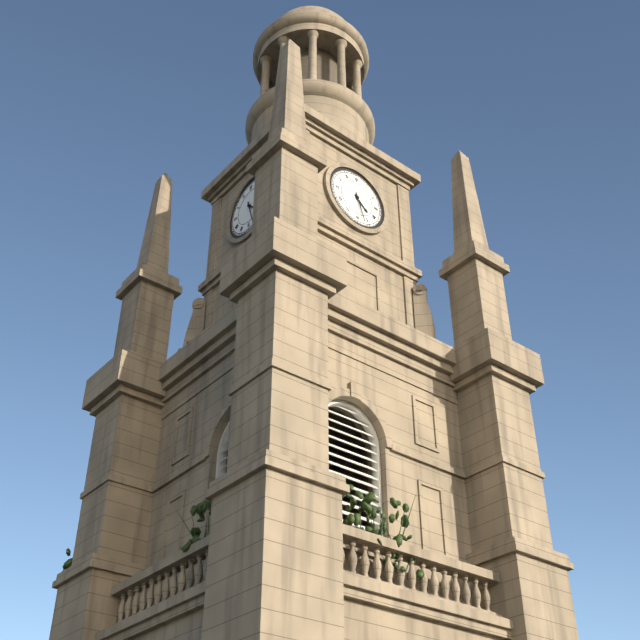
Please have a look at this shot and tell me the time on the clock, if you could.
4:27
